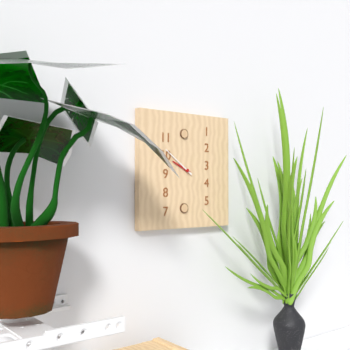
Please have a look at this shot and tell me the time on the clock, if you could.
9:51
